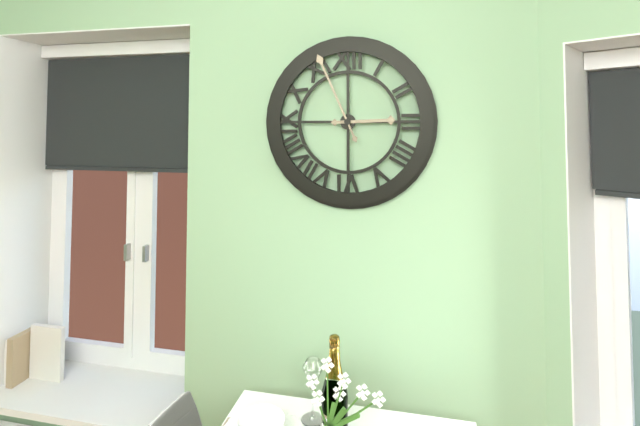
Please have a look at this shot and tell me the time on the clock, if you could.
2:56
